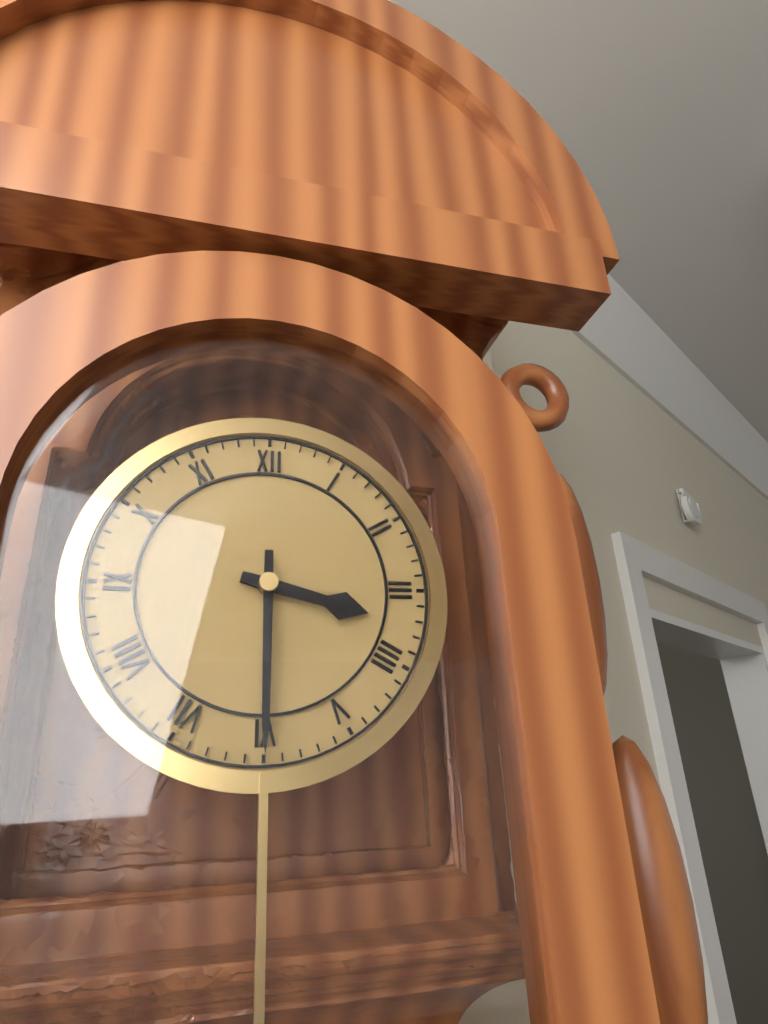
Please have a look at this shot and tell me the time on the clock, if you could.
3:30
